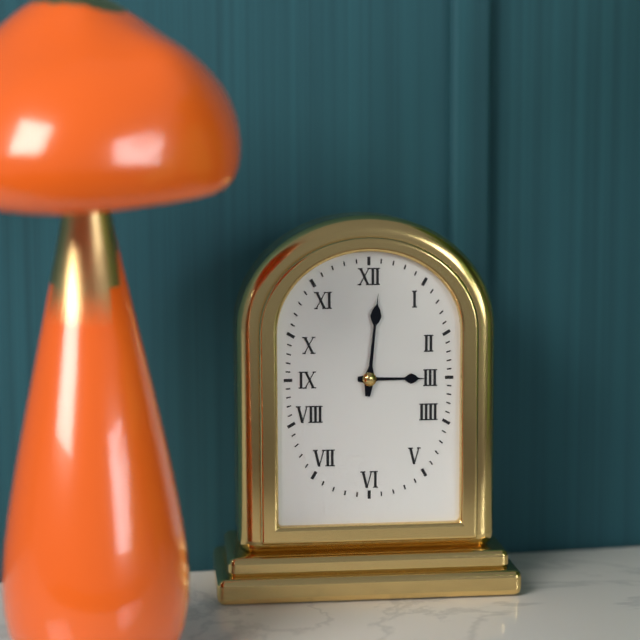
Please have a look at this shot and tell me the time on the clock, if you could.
3:01
